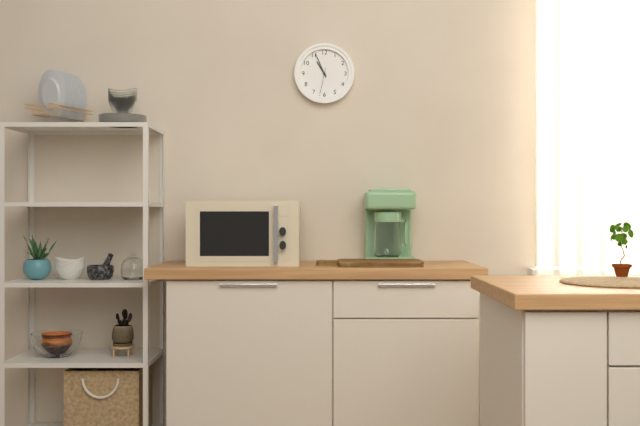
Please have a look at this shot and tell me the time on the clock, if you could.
10:56
